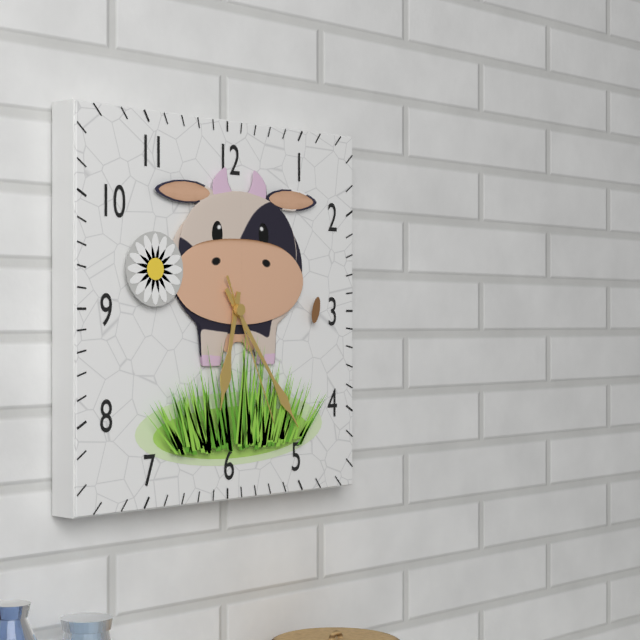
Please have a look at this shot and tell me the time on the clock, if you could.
6:24:26
